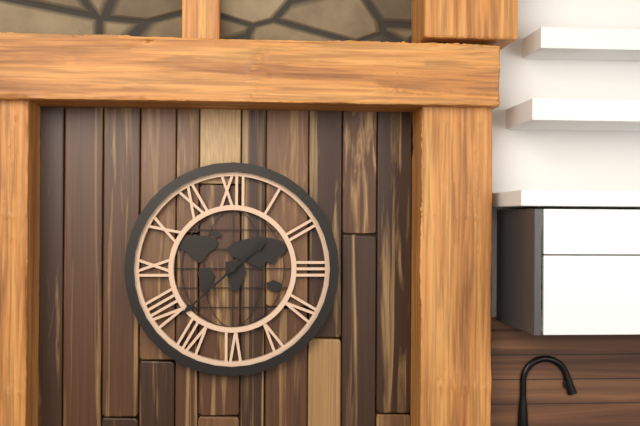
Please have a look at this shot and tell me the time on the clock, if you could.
1:38
